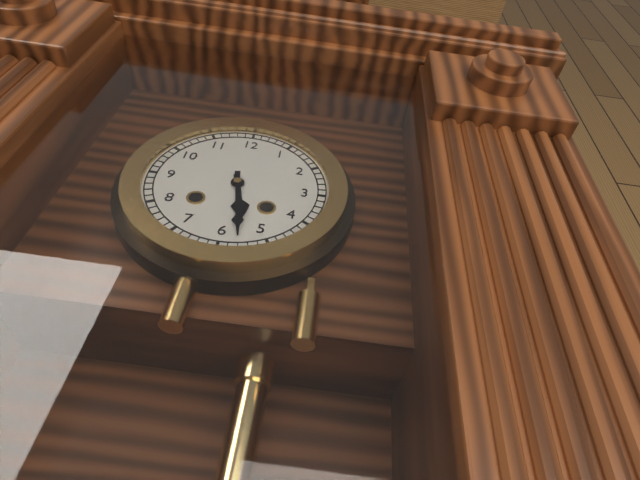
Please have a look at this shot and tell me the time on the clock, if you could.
5:28
